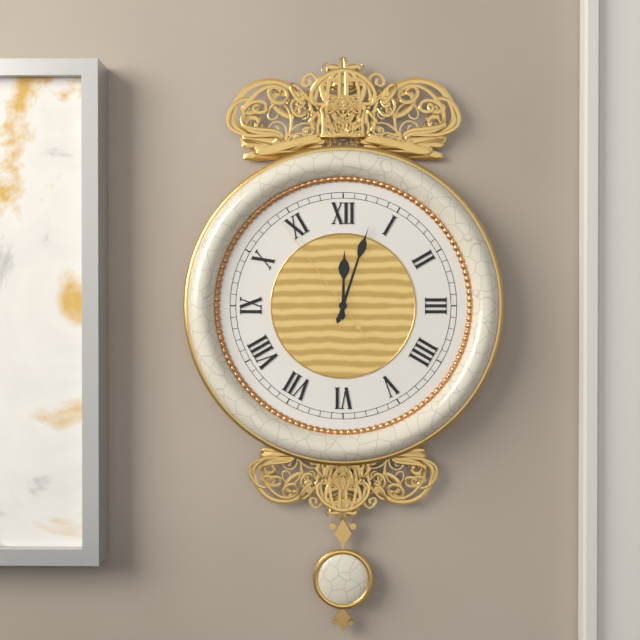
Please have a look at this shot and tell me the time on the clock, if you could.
12:03:54
